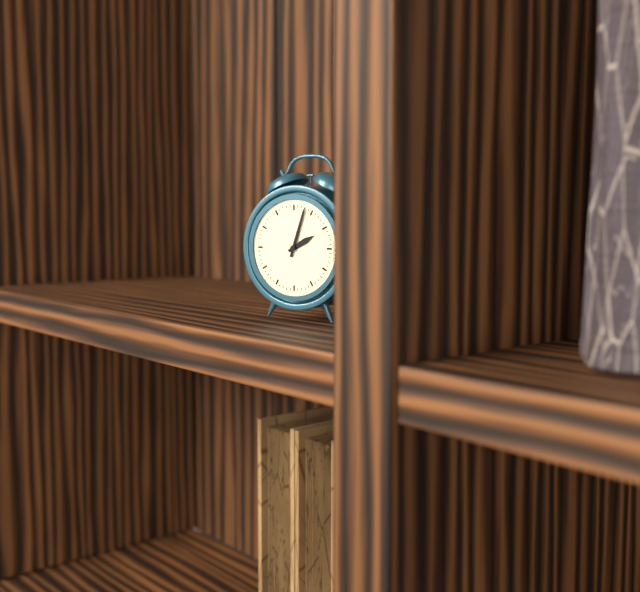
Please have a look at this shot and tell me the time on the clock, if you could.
2:03
